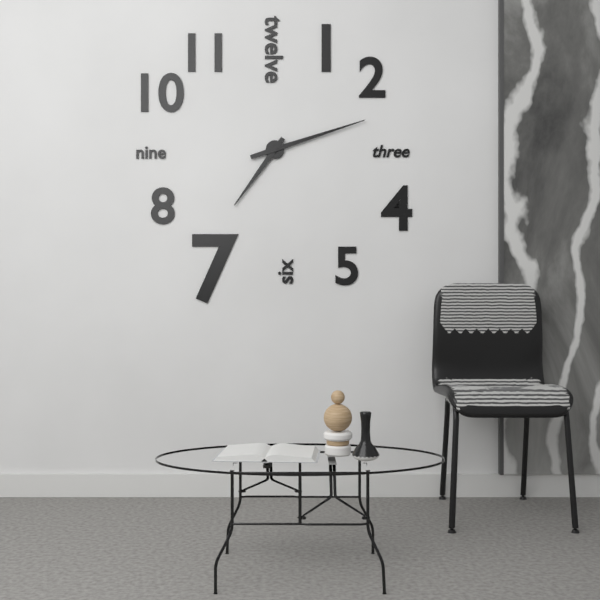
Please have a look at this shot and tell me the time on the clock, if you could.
7:12
